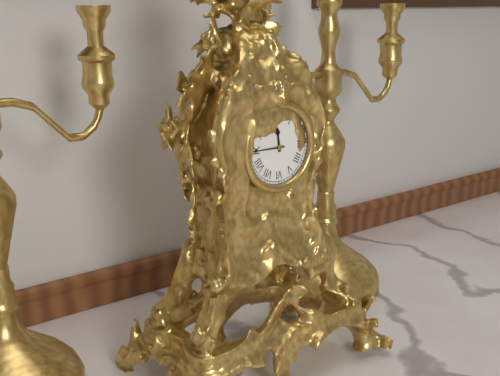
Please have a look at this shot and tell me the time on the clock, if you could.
11:45
